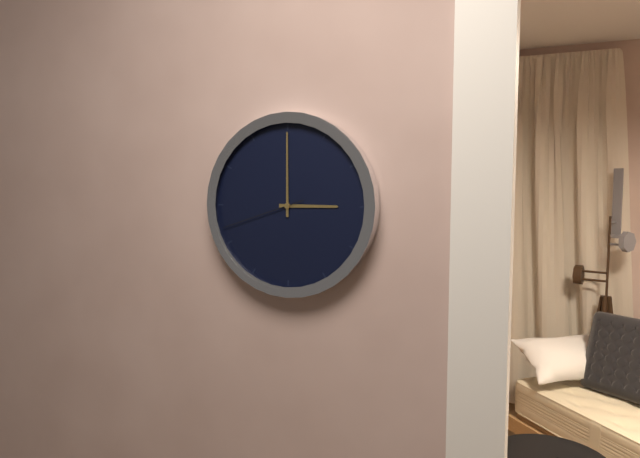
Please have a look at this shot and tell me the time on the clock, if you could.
3:00:42
